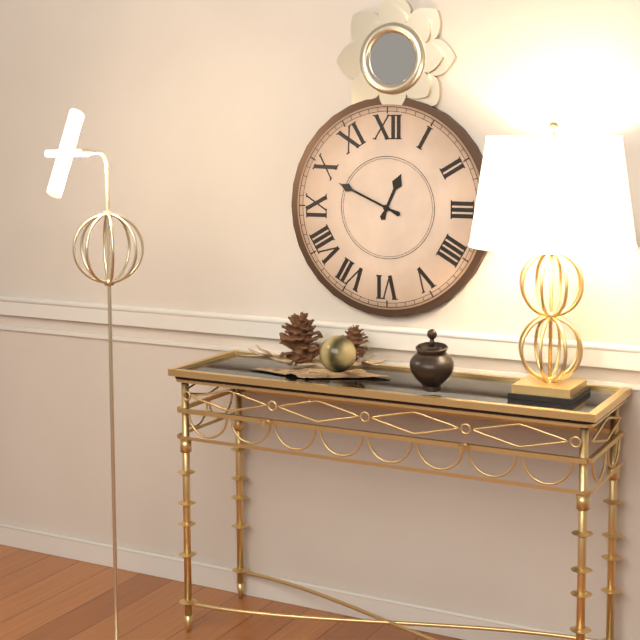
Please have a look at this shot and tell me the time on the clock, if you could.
12:49
